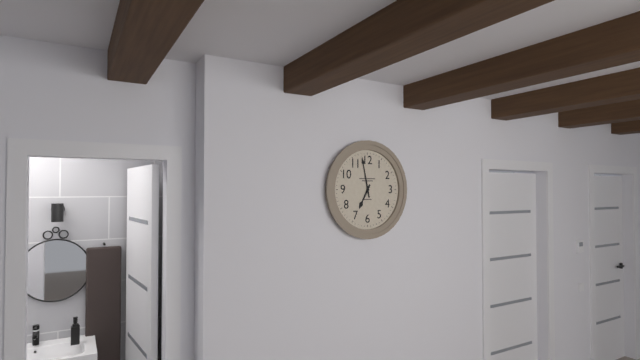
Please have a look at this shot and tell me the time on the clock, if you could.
6:58
